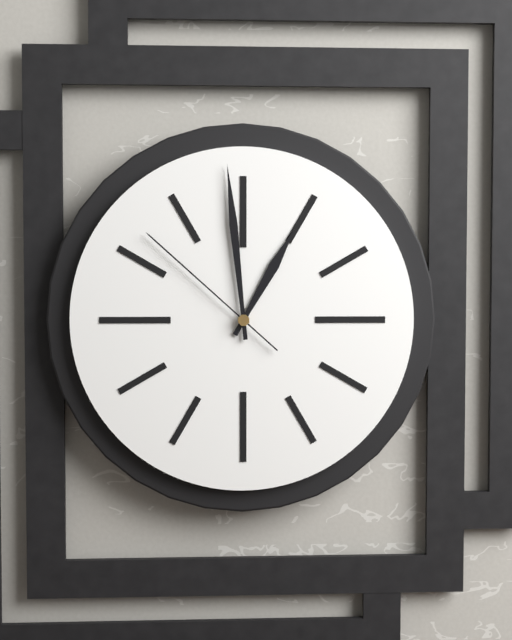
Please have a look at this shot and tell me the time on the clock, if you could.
12:59:52
